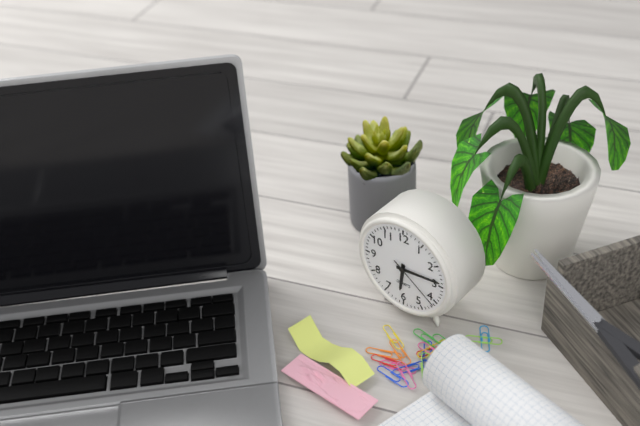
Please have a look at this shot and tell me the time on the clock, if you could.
6:14:21
